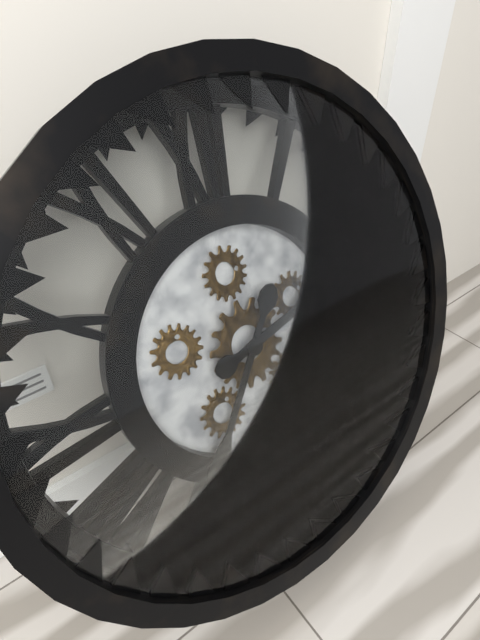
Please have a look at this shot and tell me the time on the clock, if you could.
2:36
